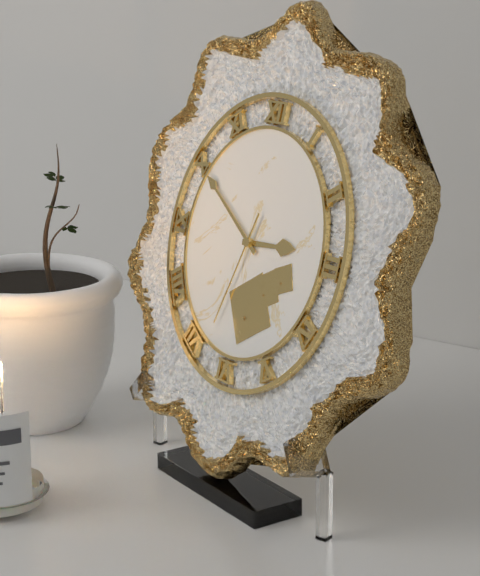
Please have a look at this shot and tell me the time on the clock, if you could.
2:50:33
